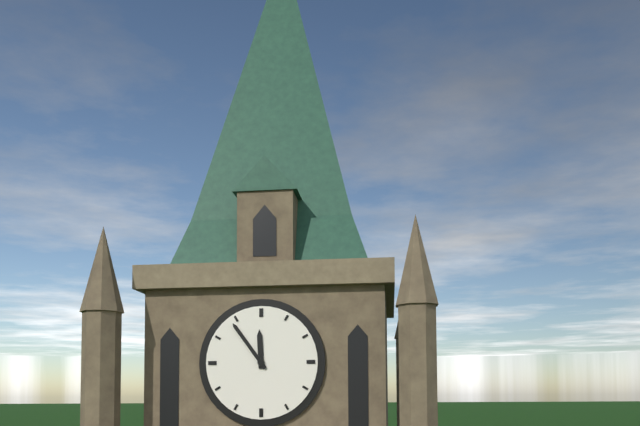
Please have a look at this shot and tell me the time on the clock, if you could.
11:54
